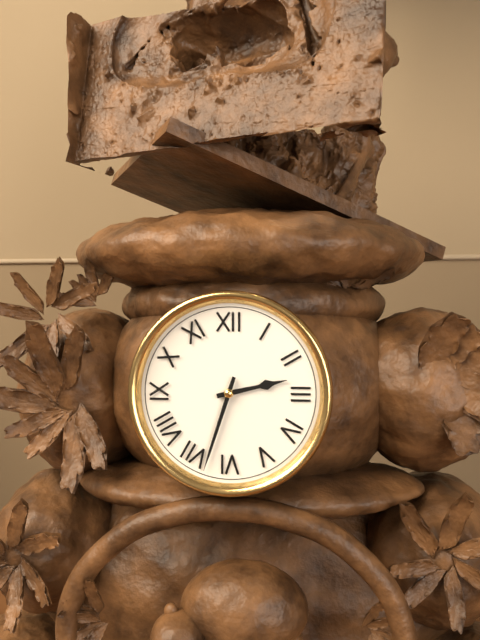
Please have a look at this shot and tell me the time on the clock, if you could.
2:33
